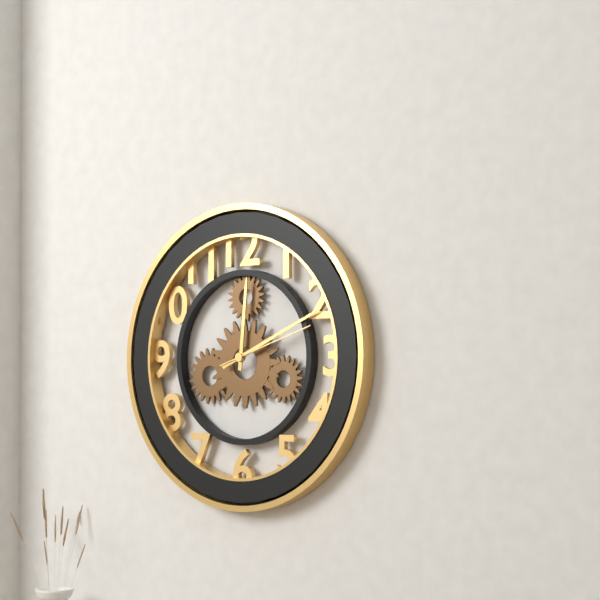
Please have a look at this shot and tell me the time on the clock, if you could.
12:11:12
